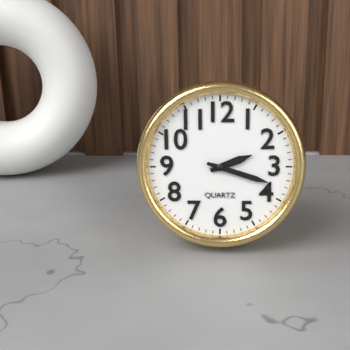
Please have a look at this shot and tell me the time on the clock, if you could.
2:18
